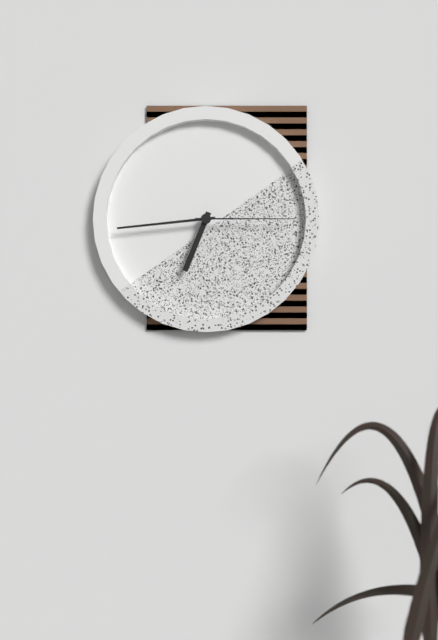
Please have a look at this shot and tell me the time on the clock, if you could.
6:44:15
